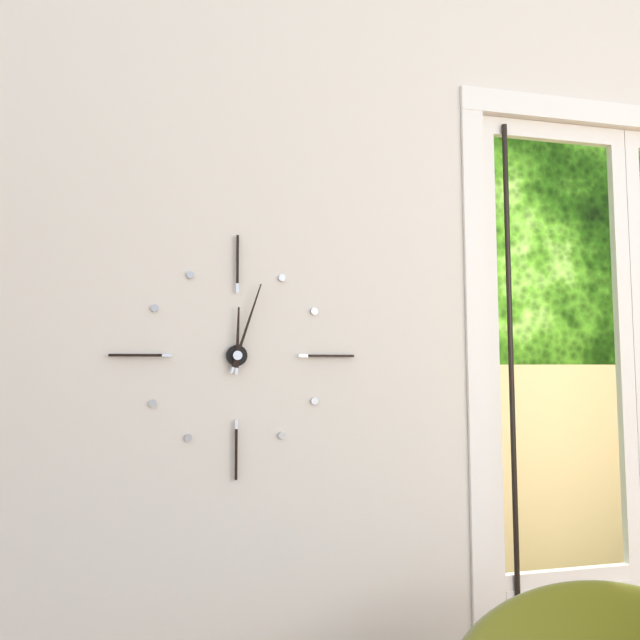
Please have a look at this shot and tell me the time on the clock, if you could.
12:03
